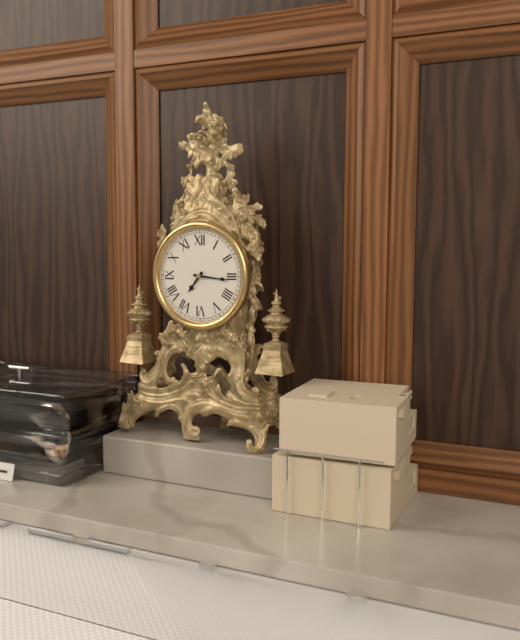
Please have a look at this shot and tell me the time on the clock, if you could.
7:16
